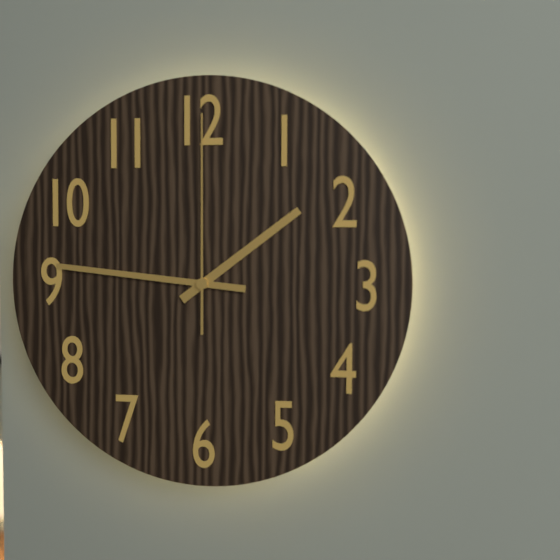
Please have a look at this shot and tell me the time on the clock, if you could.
1:46:00
